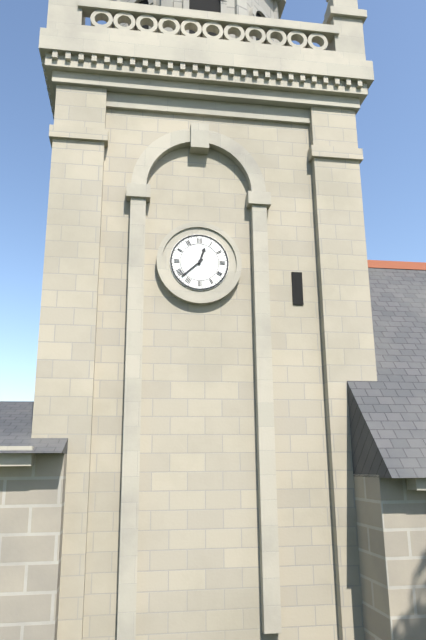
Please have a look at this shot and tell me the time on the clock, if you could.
12:38
